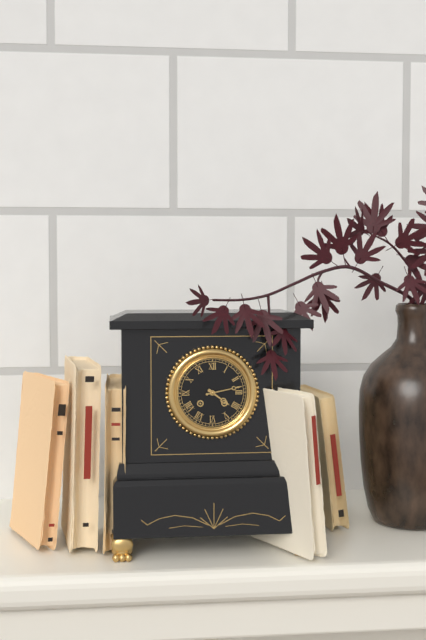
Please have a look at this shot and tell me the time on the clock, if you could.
4:13
